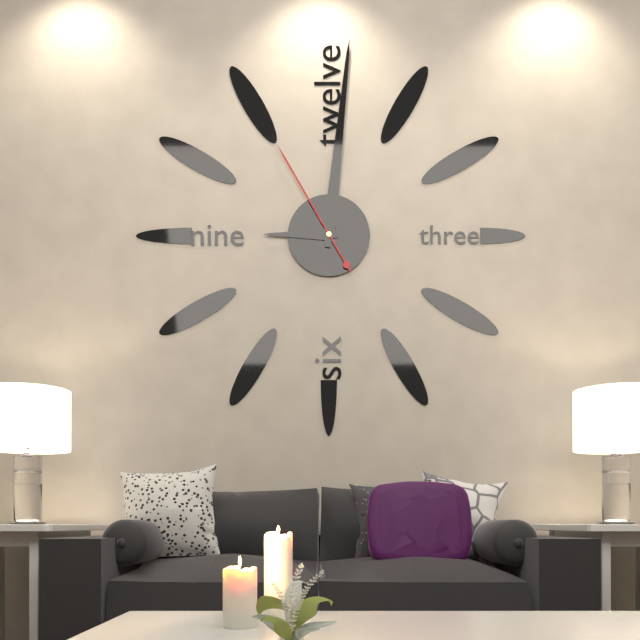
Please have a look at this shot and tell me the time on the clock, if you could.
9:01:55
